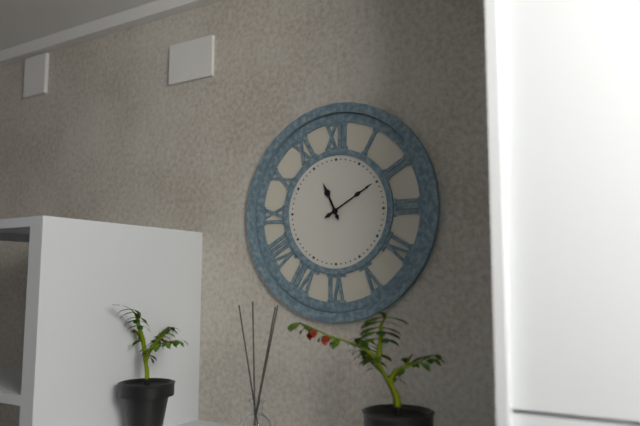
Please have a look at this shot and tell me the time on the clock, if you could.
11:10
